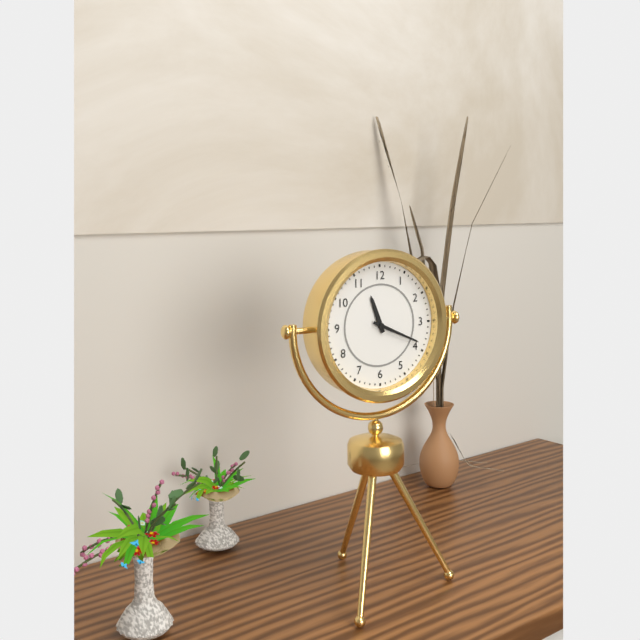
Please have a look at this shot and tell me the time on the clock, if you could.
11:19
